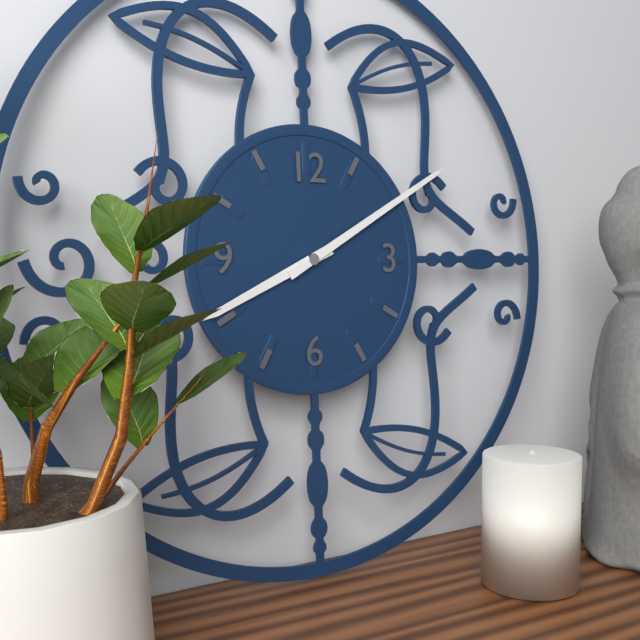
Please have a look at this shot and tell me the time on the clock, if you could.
8:10
